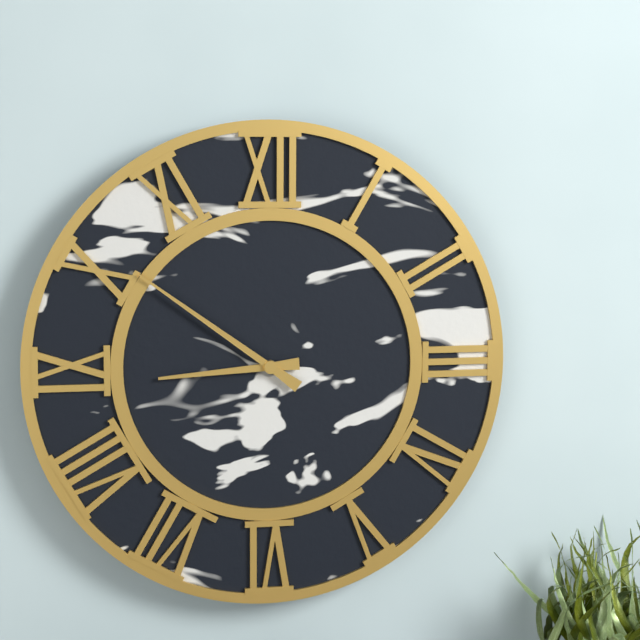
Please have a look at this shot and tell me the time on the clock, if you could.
8:51
